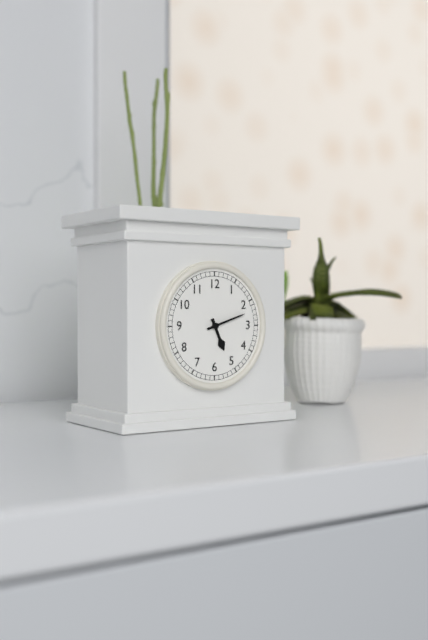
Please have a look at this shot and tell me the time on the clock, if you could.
5:12
